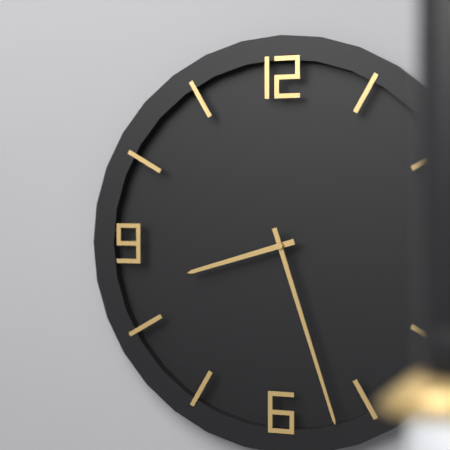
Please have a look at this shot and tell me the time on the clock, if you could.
8:27
